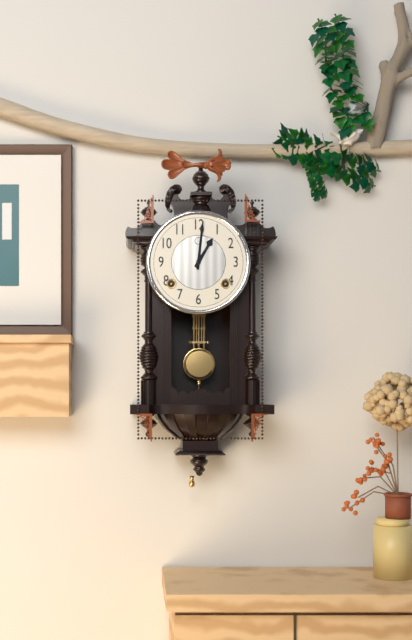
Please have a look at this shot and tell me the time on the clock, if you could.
1:01
